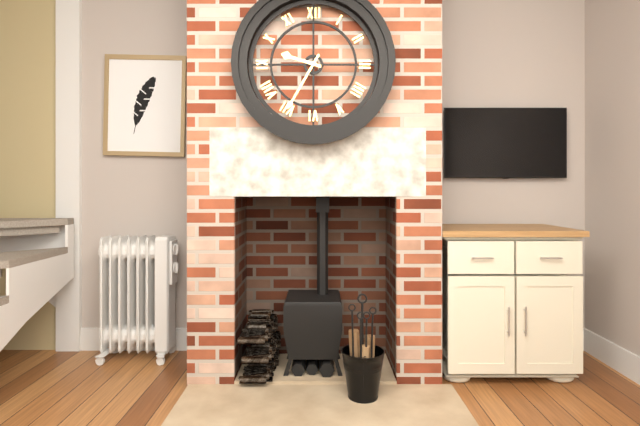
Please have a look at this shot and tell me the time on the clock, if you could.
9:35
